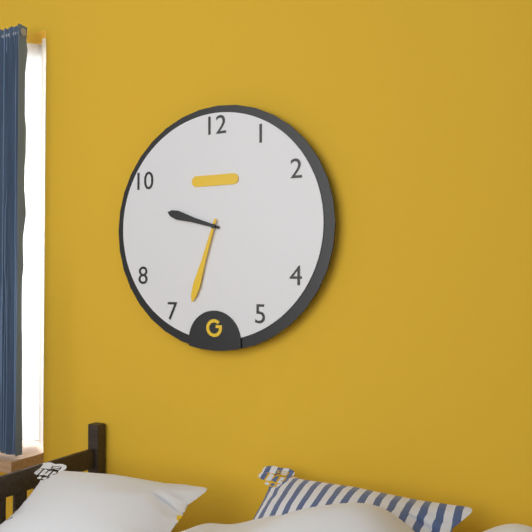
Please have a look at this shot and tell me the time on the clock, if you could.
9:33
